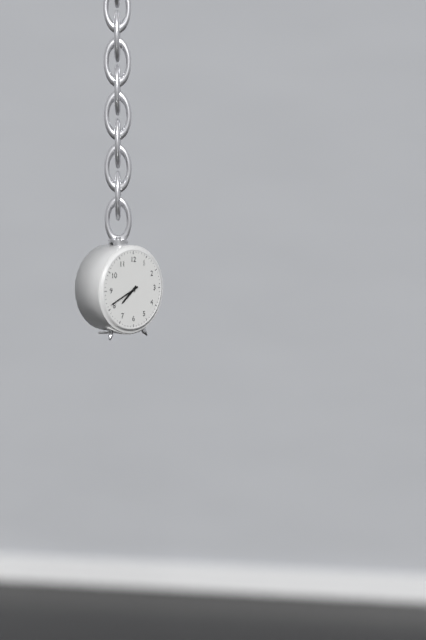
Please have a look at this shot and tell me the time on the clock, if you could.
7:41
